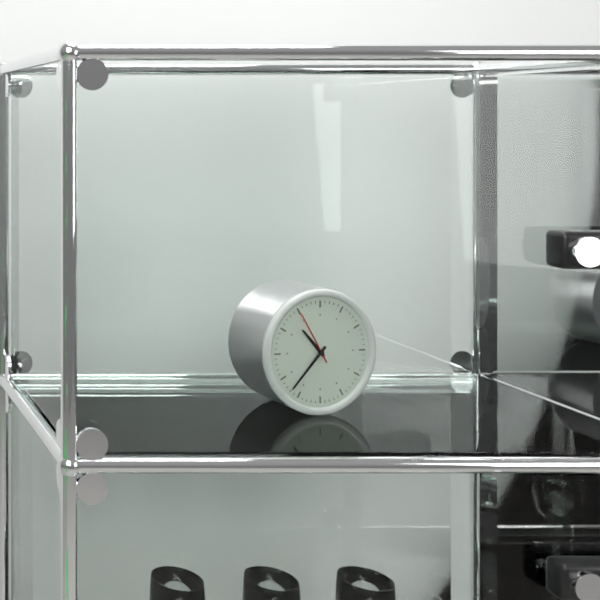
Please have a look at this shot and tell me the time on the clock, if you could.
10:37:55
